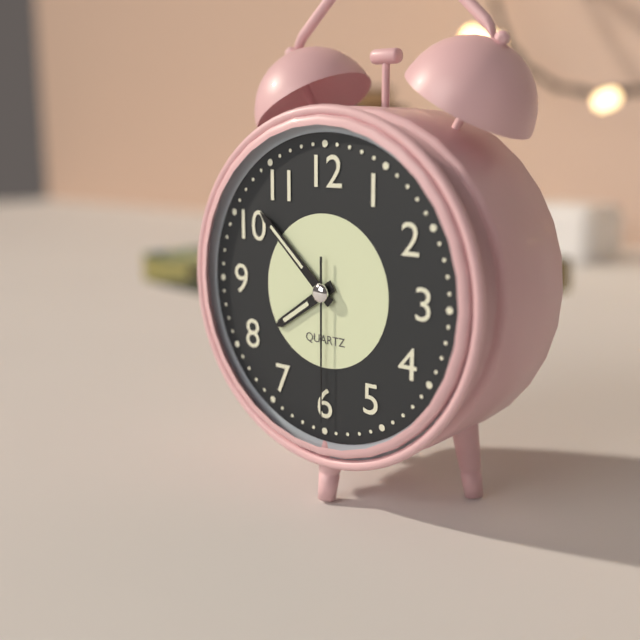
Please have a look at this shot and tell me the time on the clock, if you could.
7:52:30
